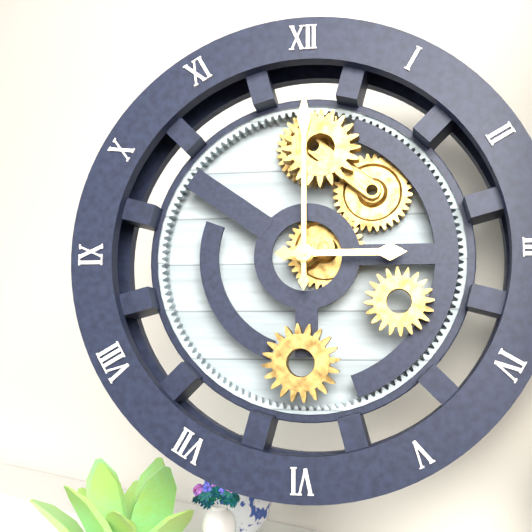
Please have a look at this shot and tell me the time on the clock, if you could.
3:00
